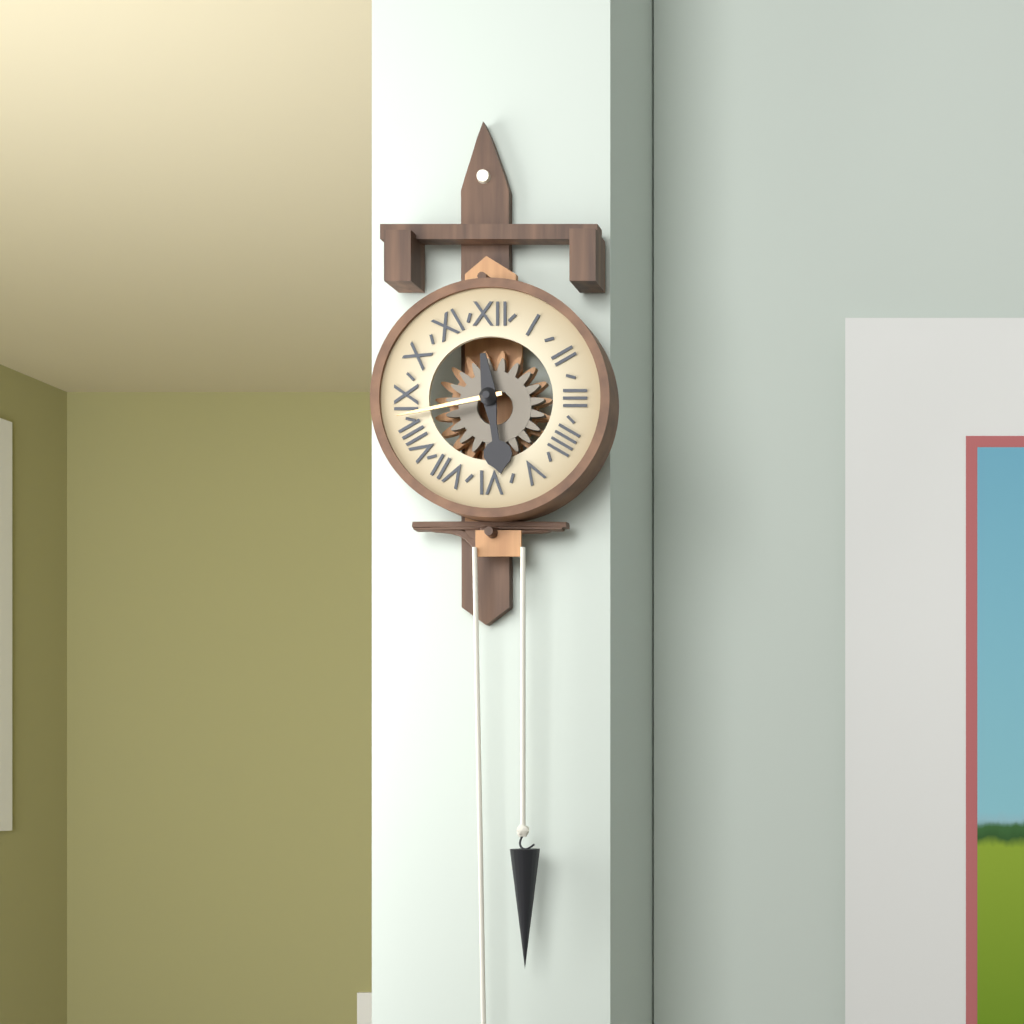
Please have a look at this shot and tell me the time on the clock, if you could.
5:43
